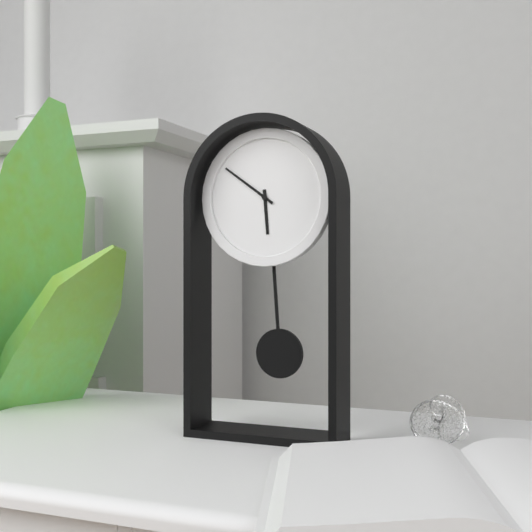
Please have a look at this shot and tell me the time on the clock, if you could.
5:51
